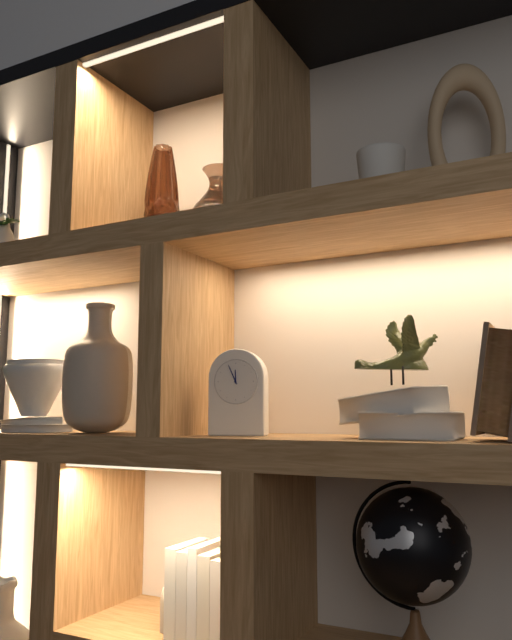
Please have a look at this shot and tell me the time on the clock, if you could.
11:56
